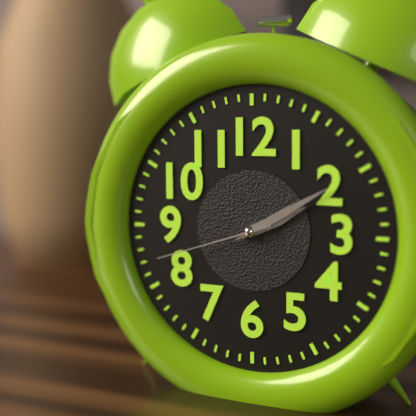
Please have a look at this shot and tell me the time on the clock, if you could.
2:10:42
